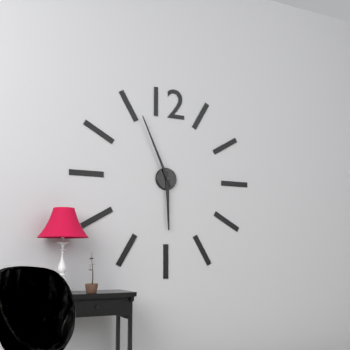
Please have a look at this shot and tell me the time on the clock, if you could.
5:56
